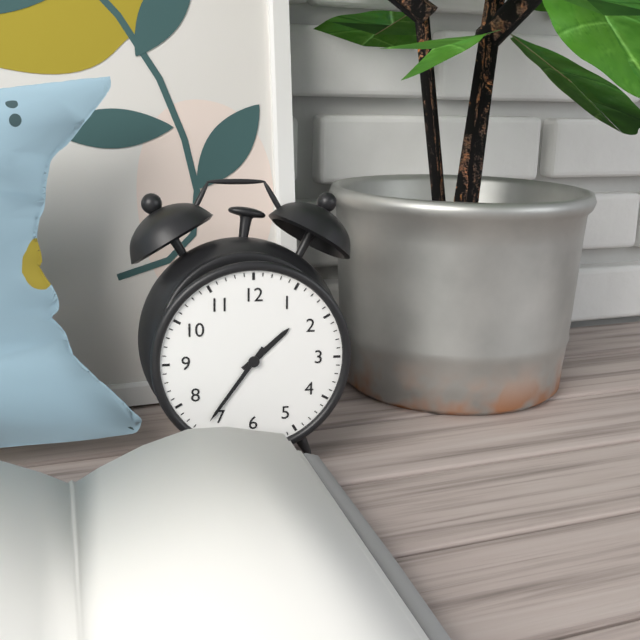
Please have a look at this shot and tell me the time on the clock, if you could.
1:36
